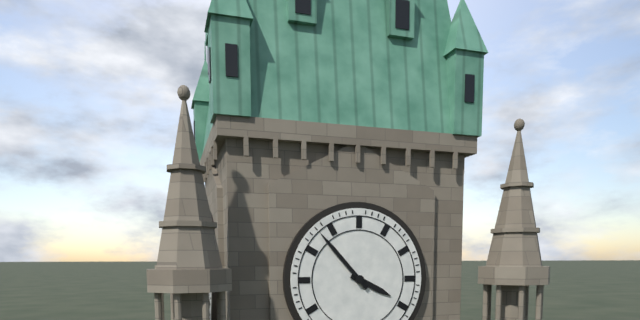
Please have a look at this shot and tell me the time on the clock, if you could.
3:53
